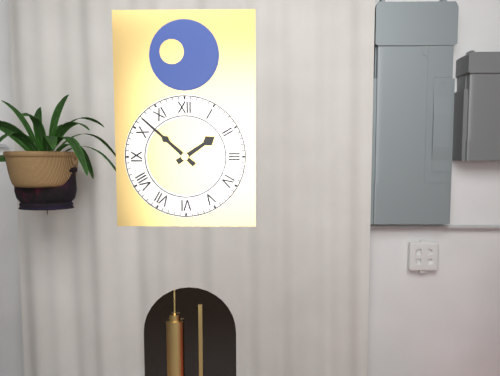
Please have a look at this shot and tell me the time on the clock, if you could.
1:52
